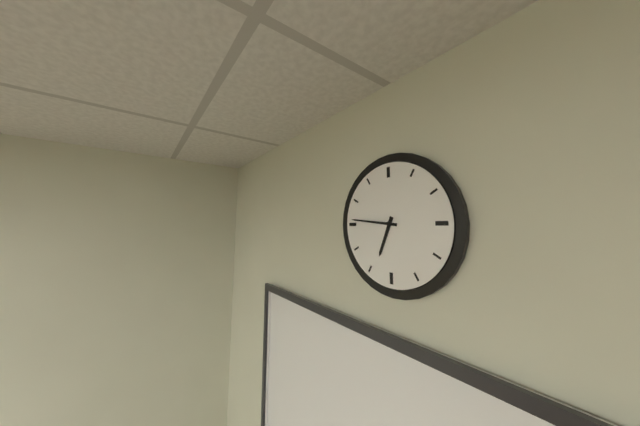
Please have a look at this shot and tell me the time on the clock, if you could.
6:46
